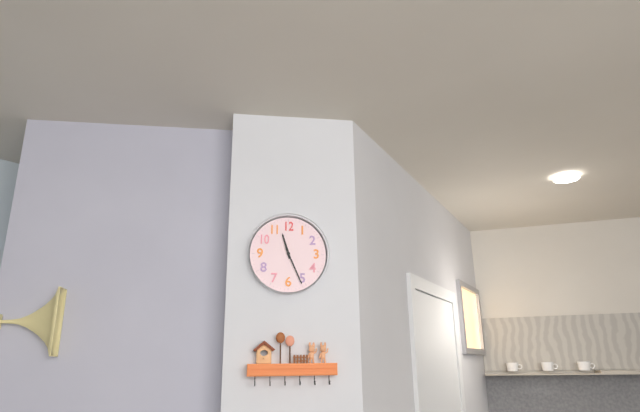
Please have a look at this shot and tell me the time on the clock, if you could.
11:26
